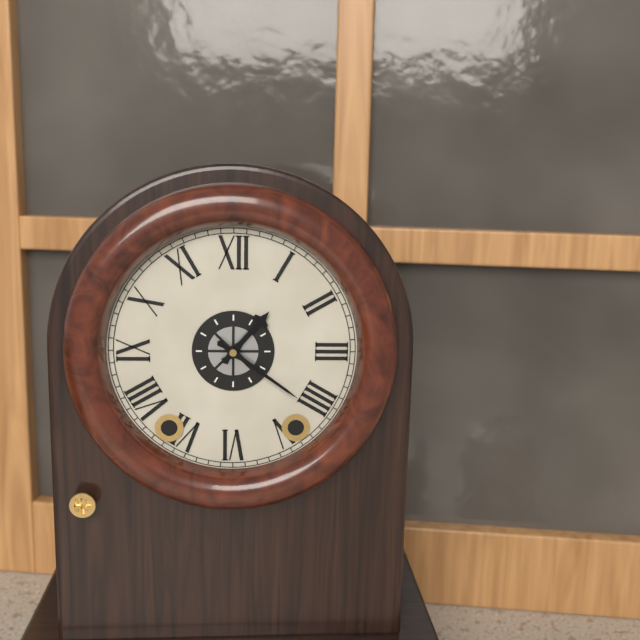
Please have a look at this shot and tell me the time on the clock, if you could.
1:21
